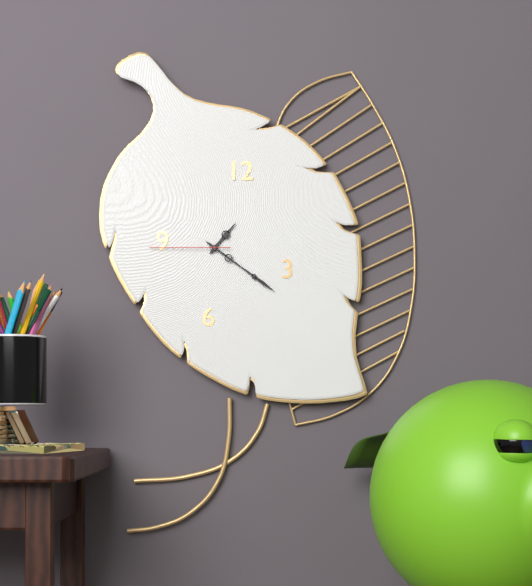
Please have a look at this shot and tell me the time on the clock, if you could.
1:21:45
